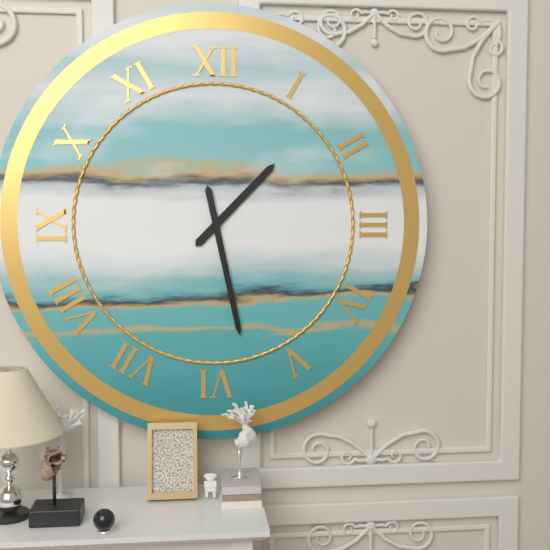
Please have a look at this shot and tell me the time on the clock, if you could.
1:28
